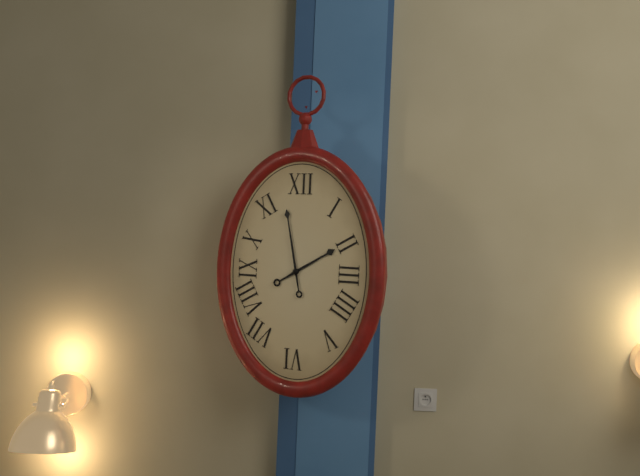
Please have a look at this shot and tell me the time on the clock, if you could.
1:58
